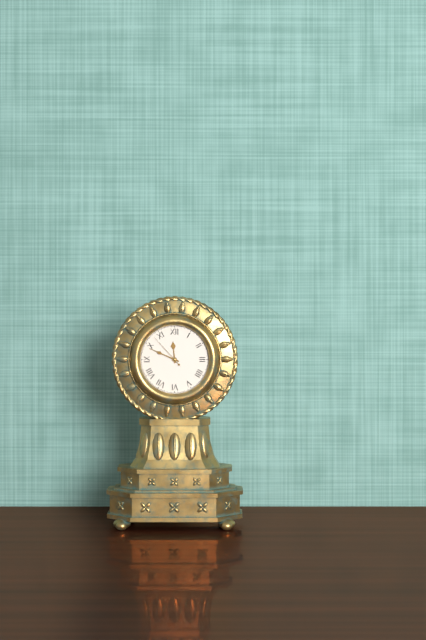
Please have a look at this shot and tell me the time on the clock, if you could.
11:49
